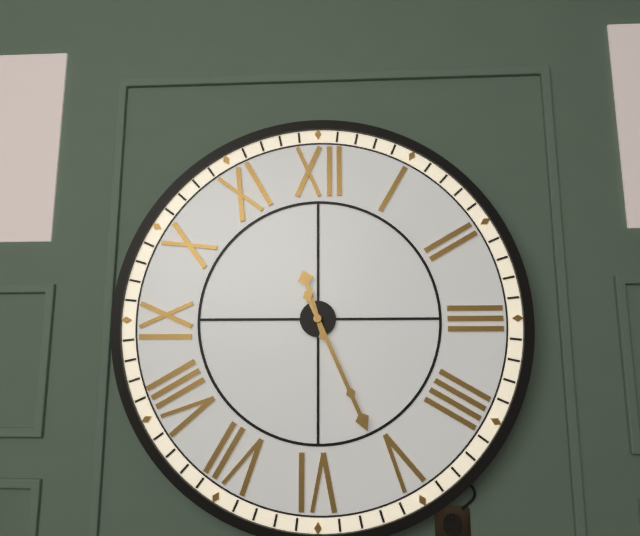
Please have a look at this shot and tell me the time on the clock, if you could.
11:26
